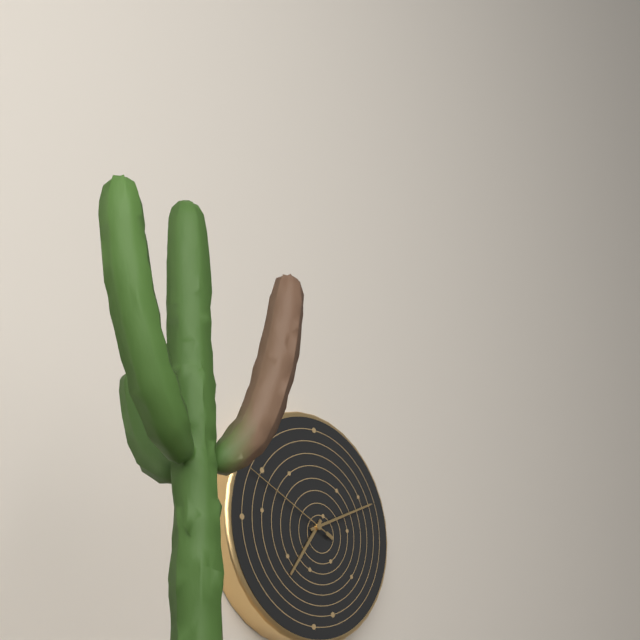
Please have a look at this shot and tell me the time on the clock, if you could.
7:11:49
